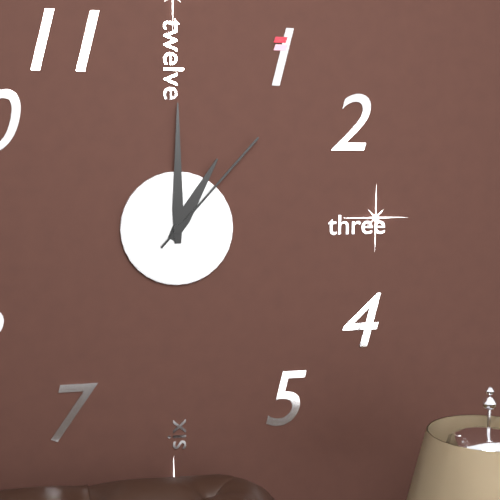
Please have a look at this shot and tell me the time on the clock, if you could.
1:00:07
